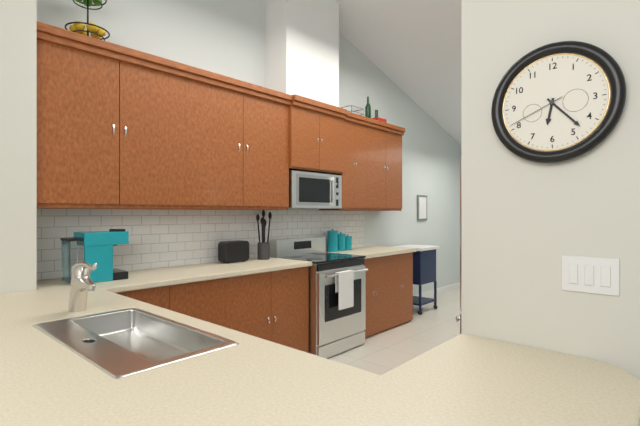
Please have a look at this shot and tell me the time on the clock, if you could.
6:23:41
